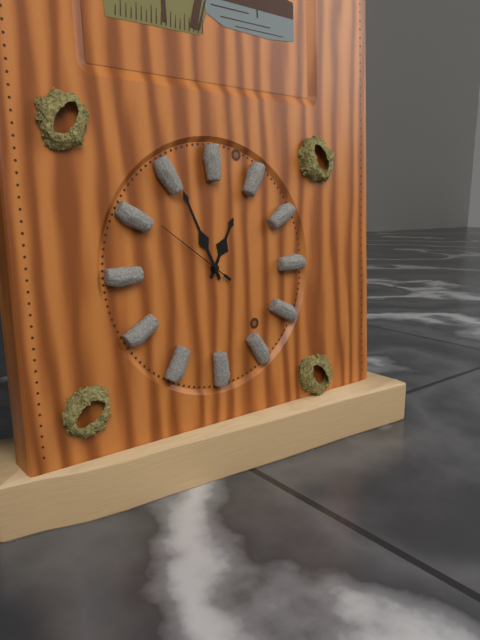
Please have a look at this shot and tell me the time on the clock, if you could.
12:56:51
